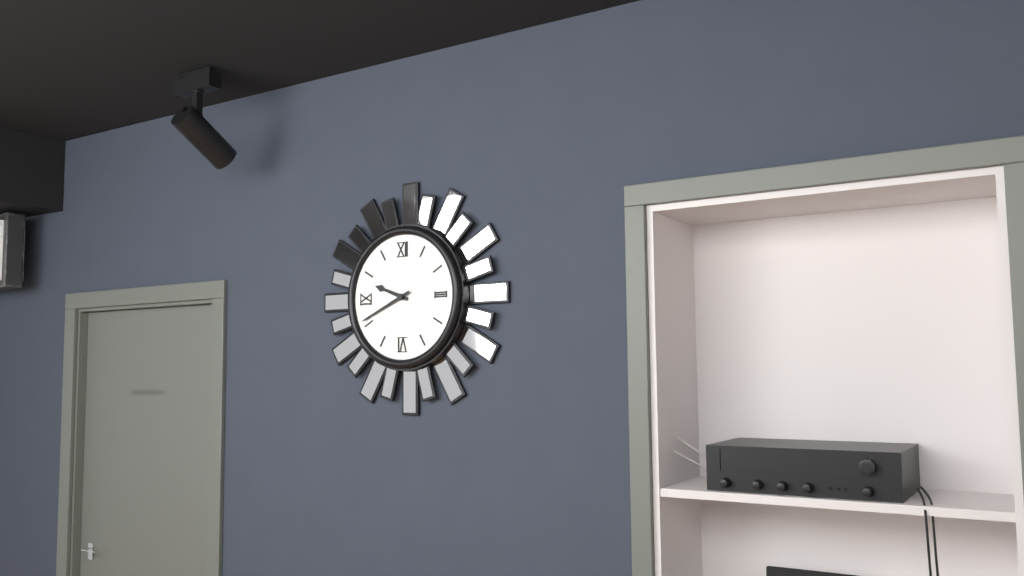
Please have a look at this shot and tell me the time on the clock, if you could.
9:41
